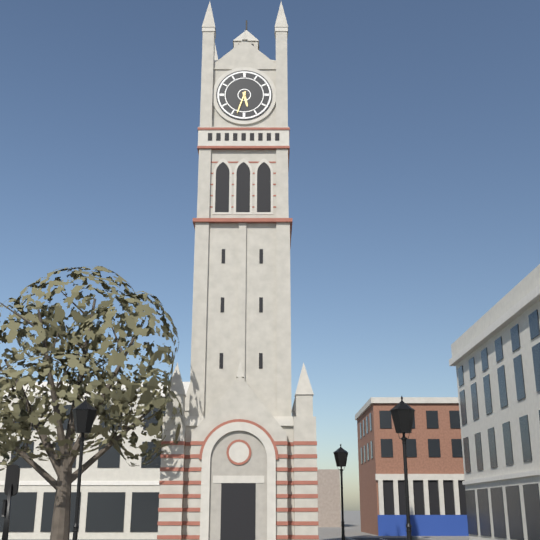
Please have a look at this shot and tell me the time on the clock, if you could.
5:33
